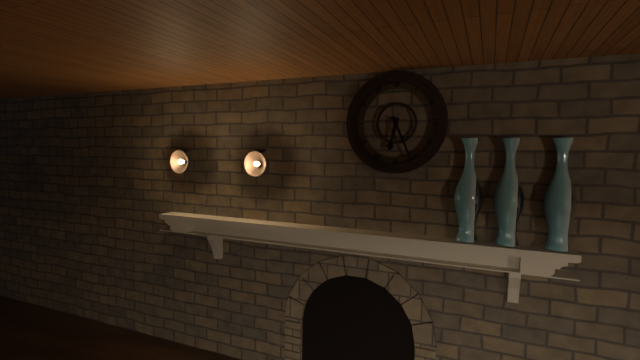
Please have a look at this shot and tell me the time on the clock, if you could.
6:26
